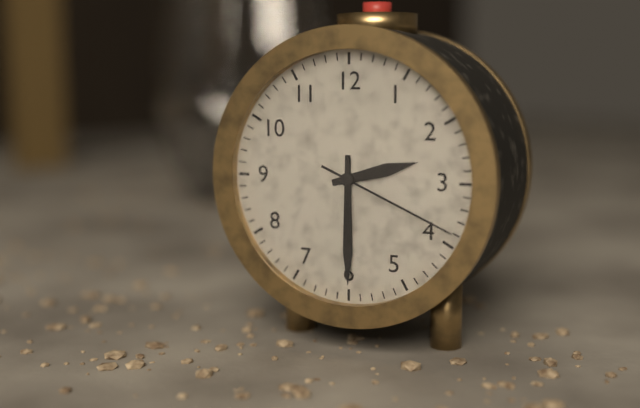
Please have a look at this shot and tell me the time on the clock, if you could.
2:30:19
